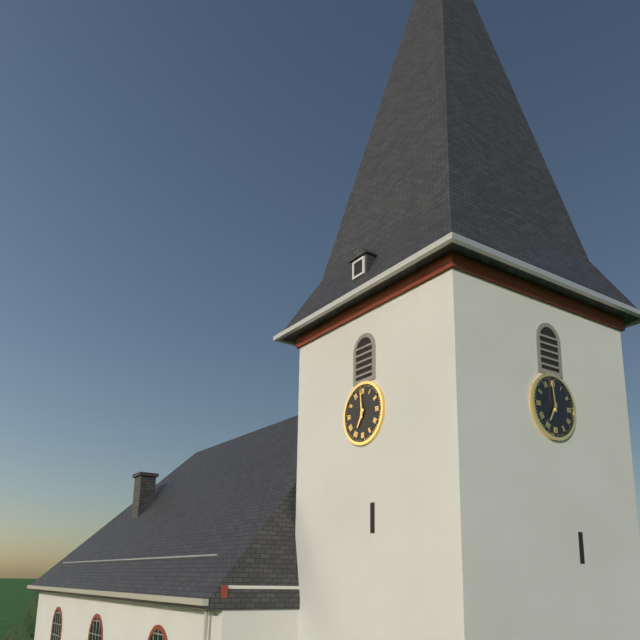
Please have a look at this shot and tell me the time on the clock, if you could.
6:59
